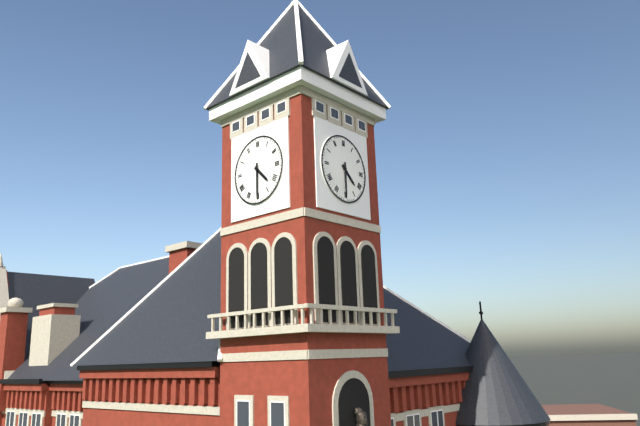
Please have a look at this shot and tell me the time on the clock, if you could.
4:30
